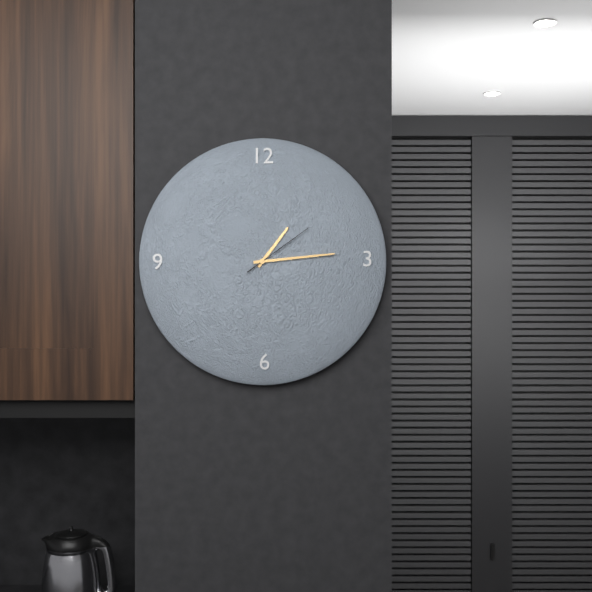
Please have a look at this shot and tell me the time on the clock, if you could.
1:14:09
